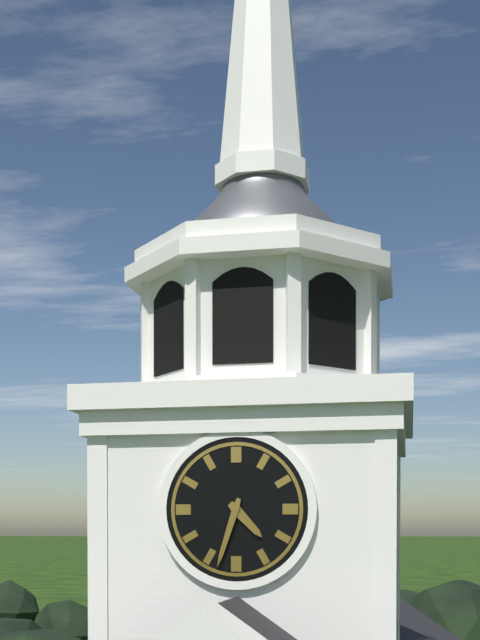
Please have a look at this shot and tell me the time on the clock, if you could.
4:33
